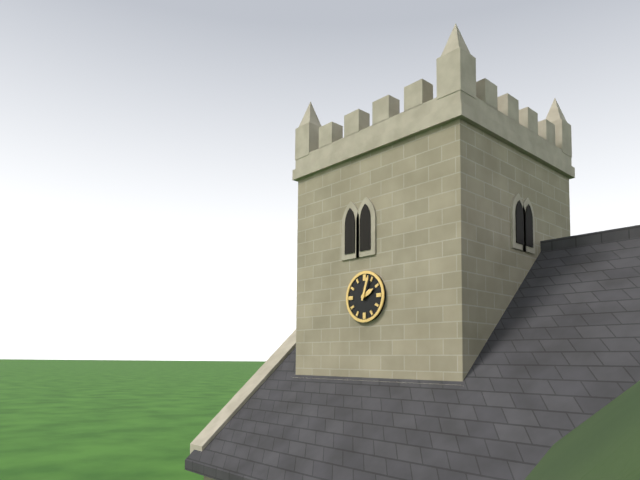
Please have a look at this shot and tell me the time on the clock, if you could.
2:03
